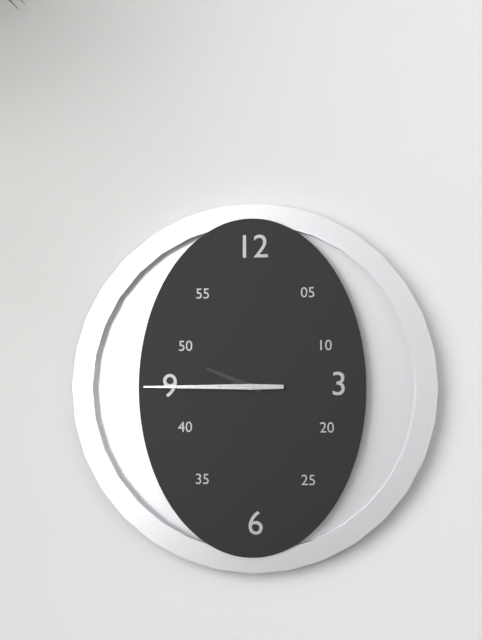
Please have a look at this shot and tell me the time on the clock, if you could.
9:45
